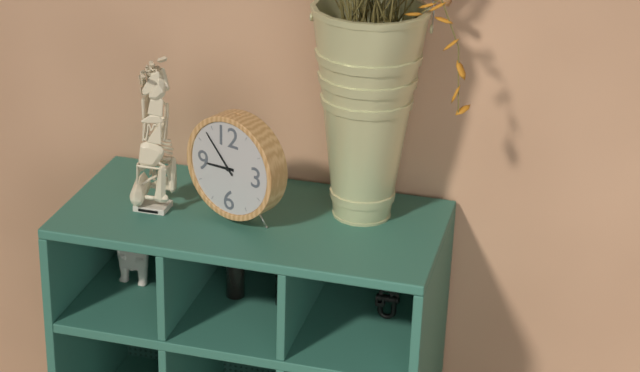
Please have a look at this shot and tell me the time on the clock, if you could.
8:53
